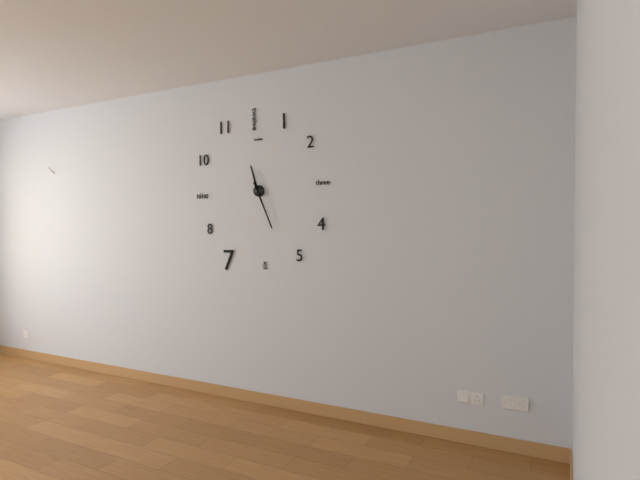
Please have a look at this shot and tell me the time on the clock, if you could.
11:26
